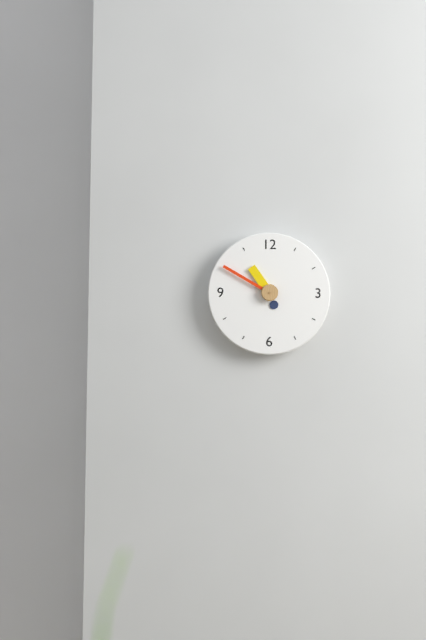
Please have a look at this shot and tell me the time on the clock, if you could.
10:50
